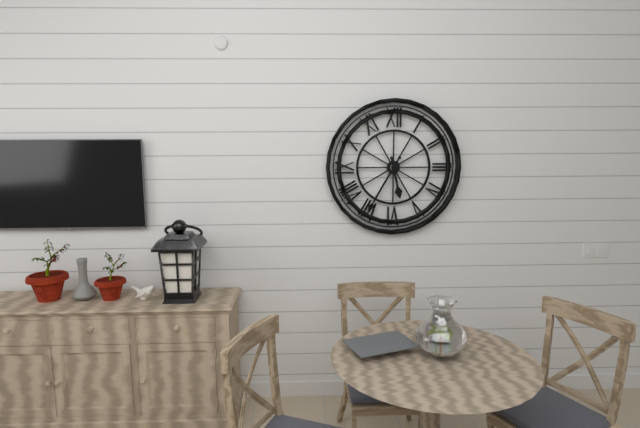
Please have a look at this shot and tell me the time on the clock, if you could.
5:35
